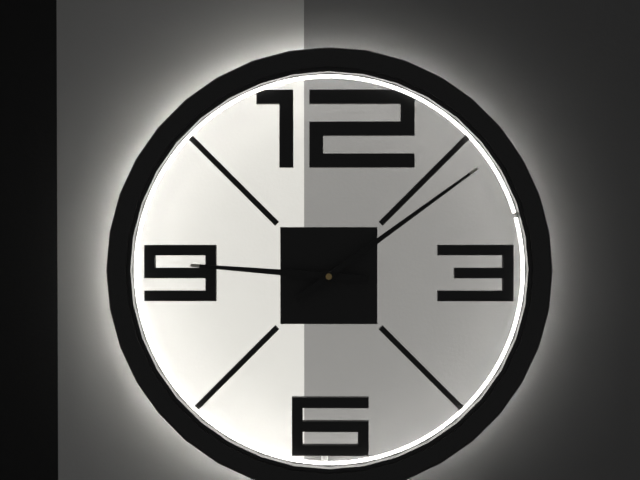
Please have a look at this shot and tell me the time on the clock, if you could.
9:09
